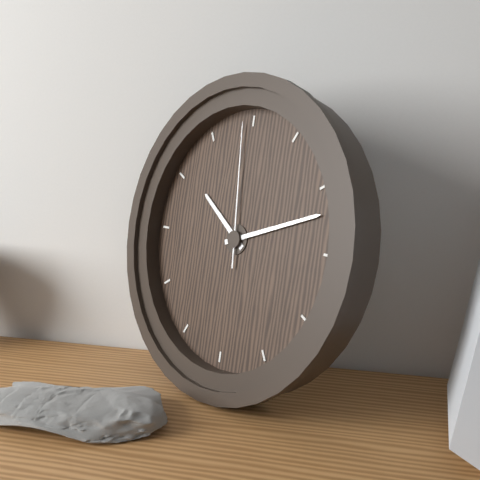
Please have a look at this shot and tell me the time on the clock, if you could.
10:12:59
